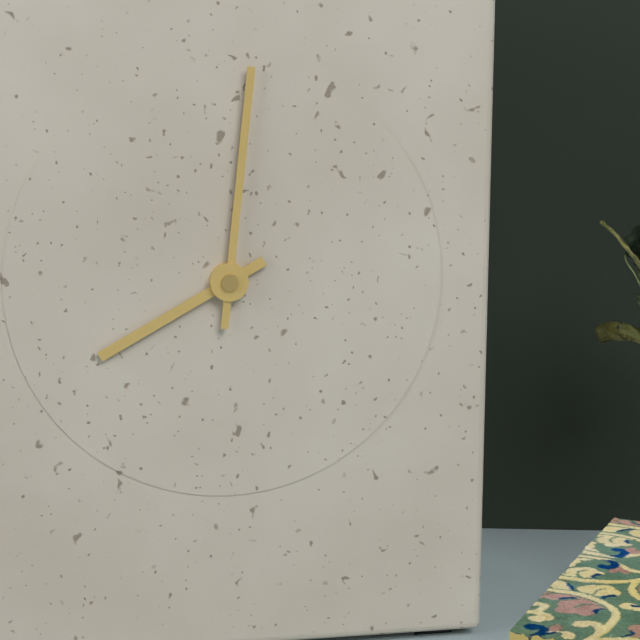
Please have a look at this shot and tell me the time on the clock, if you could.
8:01
